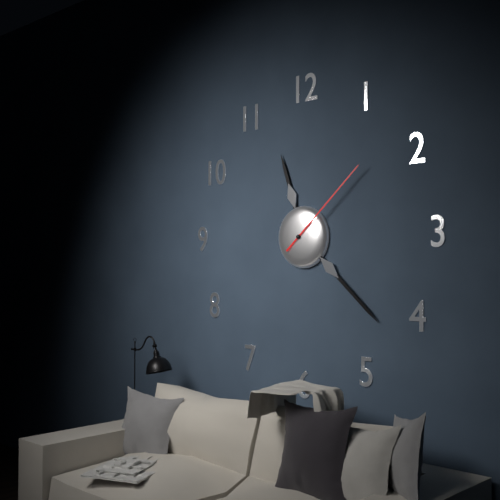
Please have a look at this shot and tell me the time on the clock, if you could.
11:22:08
